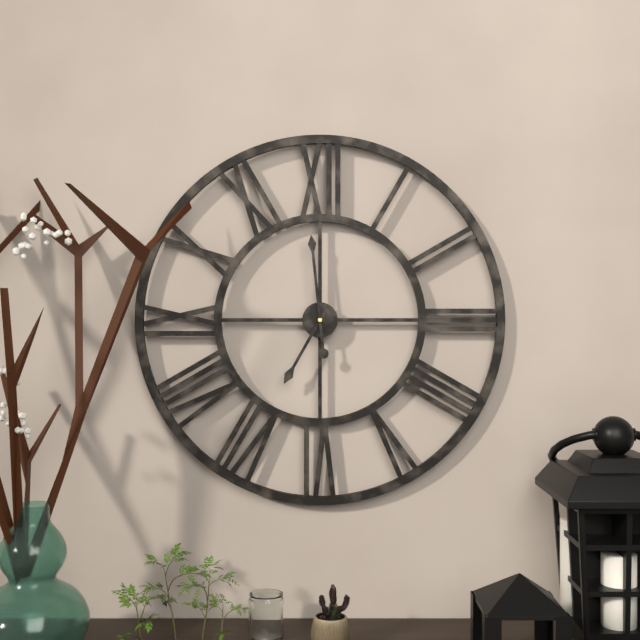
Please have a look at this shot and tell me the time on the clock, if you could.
6:59
